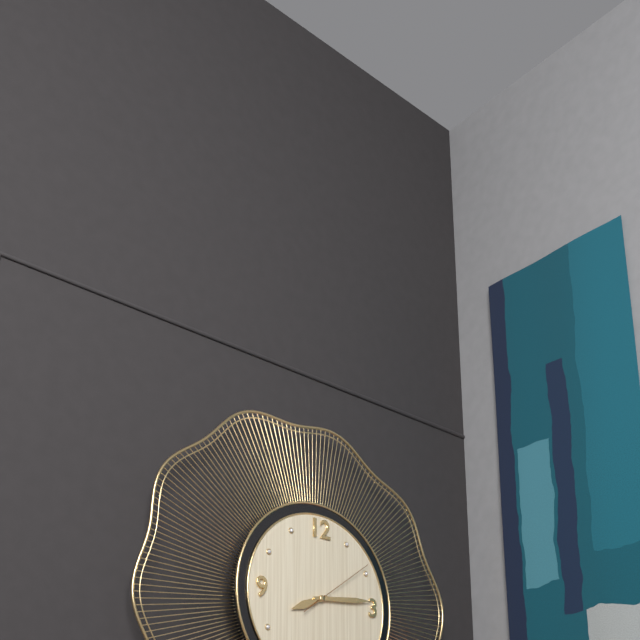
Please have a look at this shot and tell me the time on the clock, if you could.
8:14:09
